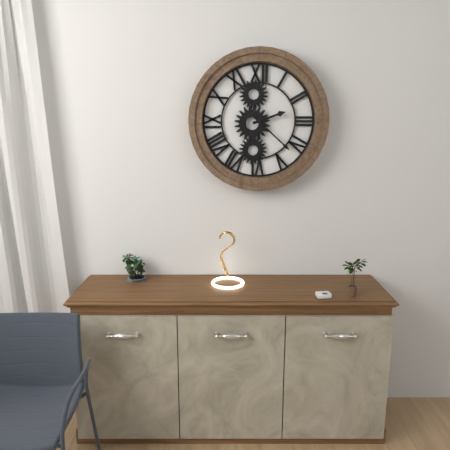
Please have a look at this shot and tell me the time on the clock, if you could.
2:22
